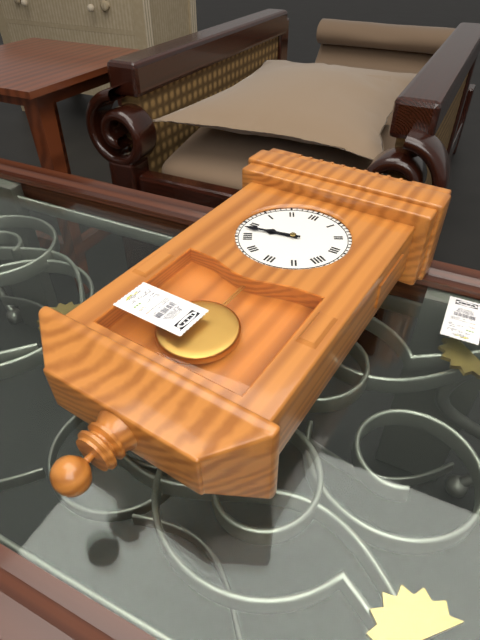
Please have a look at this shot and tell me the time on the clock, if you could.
8:43
